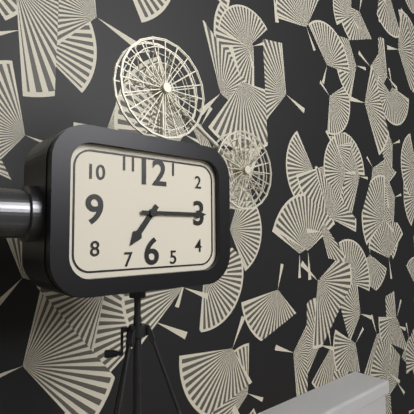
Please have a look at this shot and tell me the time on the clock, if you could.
7:15
